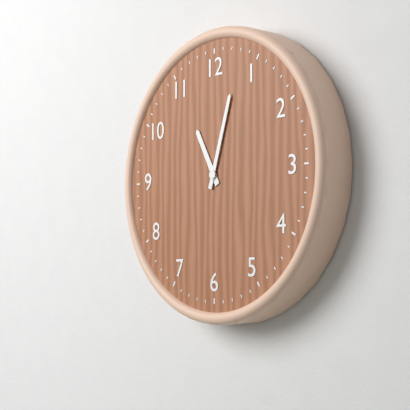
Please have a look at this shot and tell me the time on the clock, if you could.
11:03
